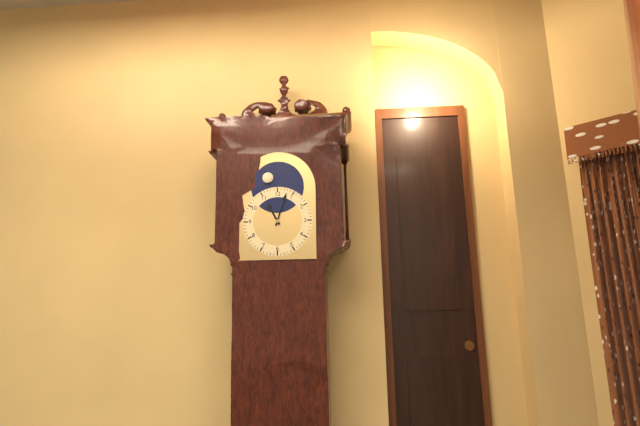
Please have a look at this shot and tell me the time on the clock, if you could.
11:03
